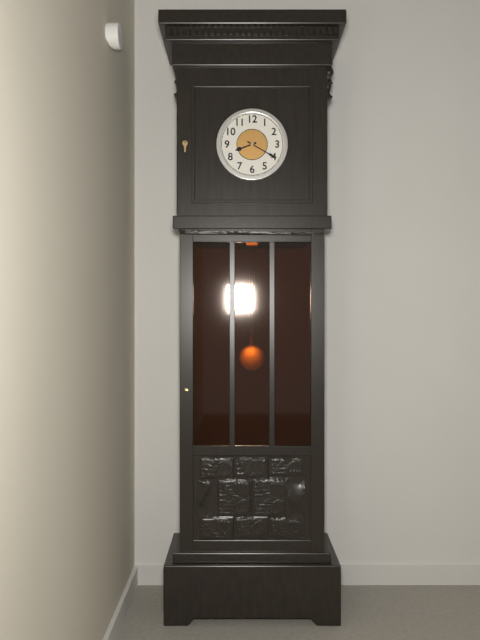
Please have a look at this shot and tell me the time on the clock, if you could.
8:20
